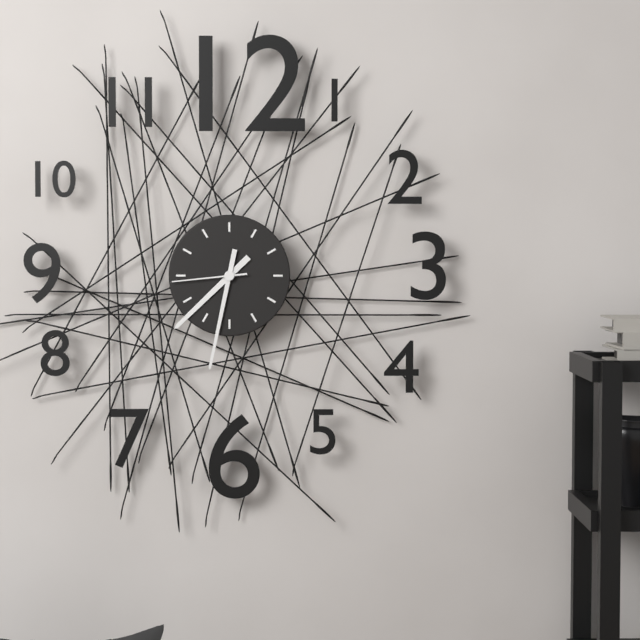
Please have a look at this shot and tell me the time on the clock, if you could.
7:32:44
